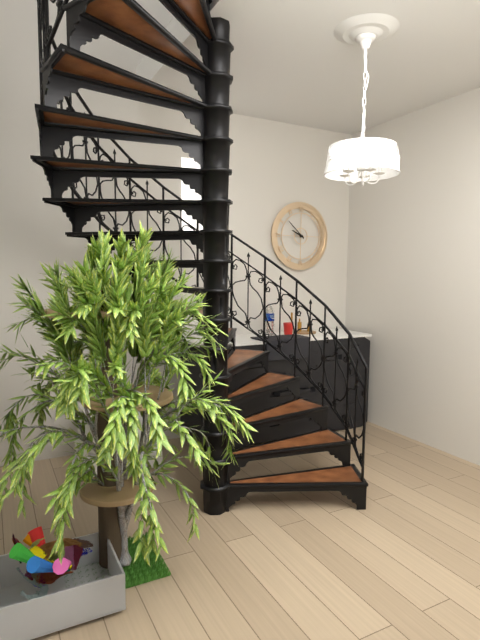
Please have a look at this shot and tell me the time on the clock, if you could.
9:52
